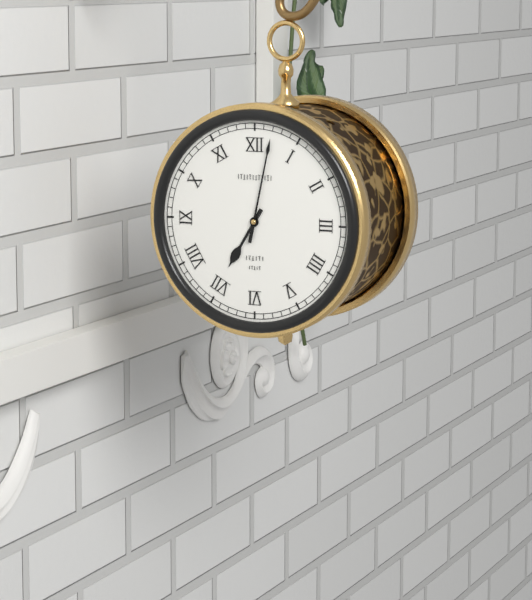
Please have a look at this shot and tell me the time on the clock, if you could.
7:02
